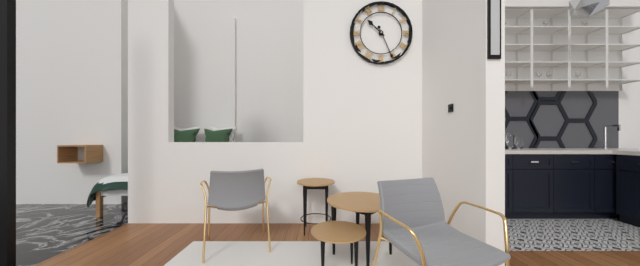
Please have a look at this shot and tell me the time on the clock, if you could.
10:26
